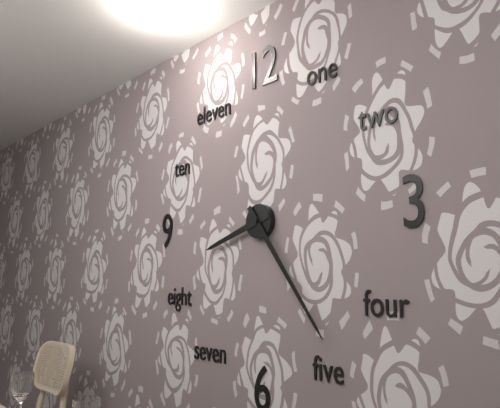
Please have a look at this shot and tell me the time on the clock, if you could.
8:24
